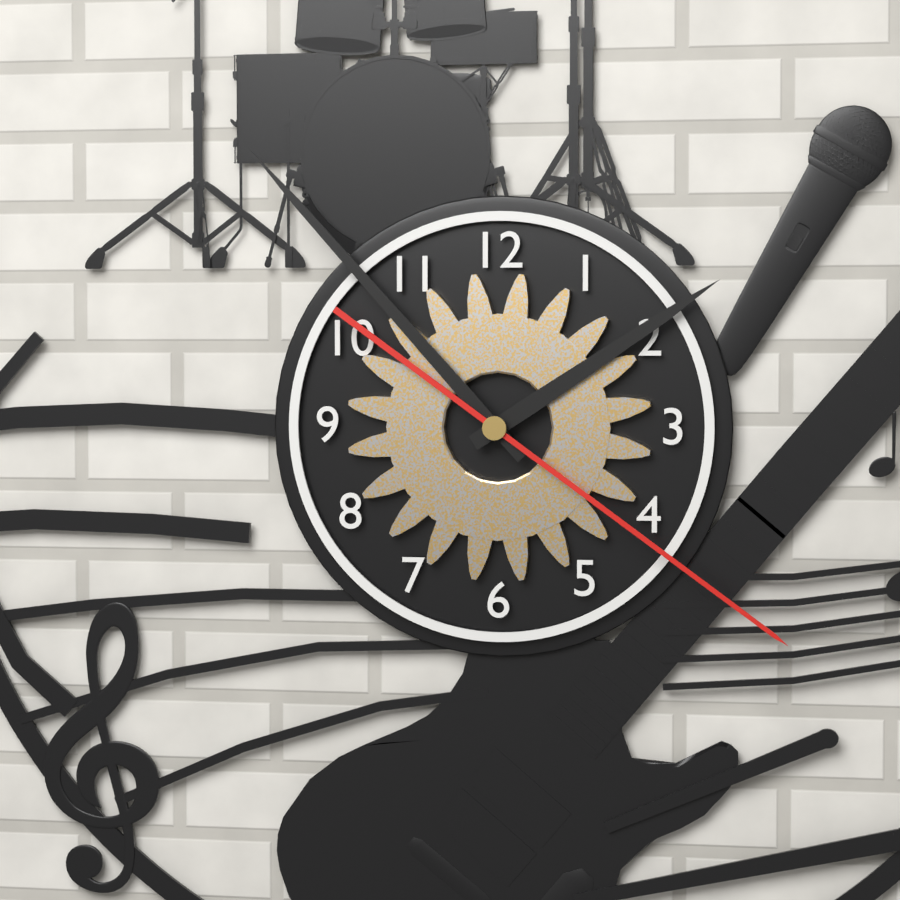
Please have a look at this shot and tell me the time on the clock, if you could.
1:53:21
